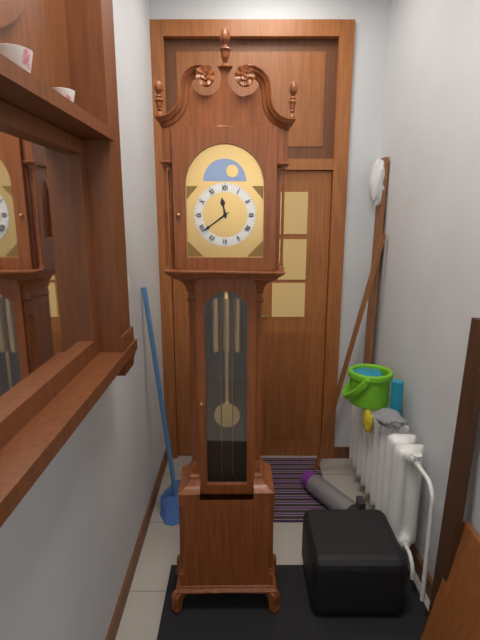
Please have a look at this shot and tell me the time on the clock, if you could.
11:39
